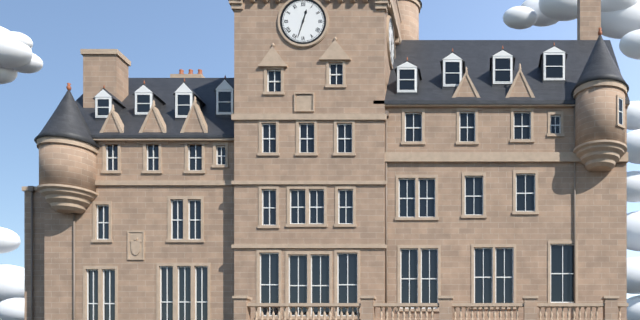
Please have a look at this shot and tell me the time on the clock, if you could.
12:33
